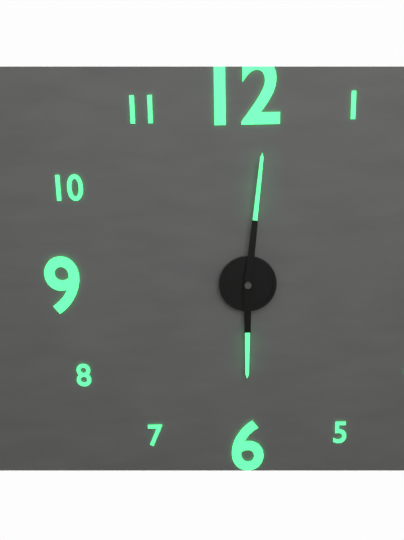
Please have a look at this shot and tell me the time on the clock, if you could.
6:01
